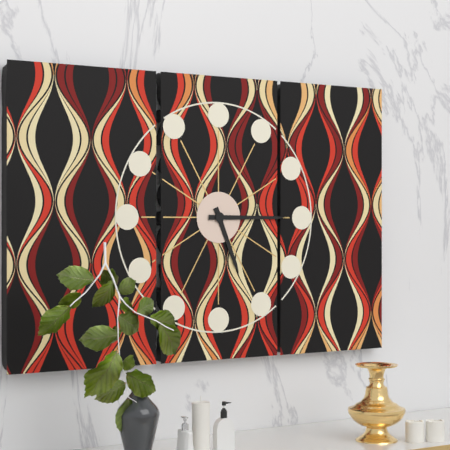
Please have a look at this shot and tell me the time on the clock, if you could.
5:15
